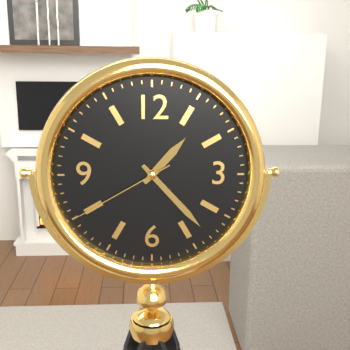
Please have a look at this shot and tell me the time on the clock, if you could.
1:23:40
